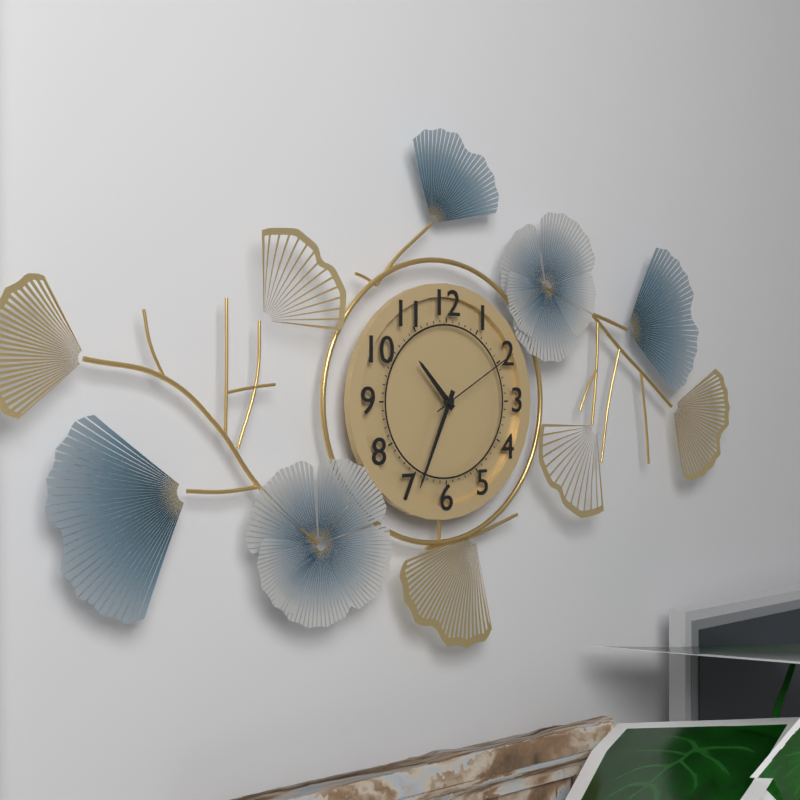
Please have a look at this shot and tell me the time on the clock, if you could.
10:34:10
